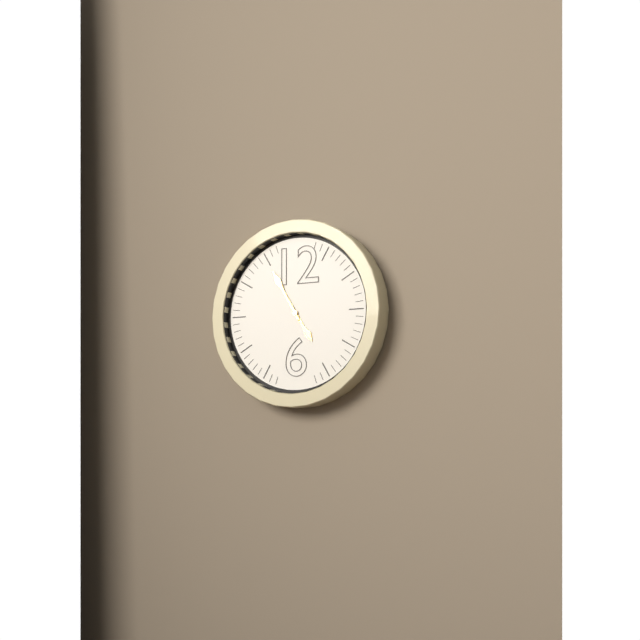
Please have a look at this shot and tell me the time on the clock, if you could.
4:55
